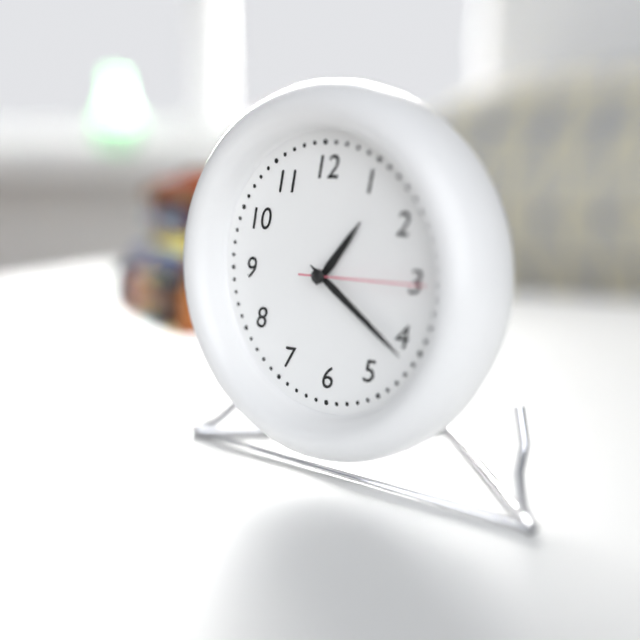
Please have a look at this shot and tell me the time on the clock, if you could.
1:21:15
